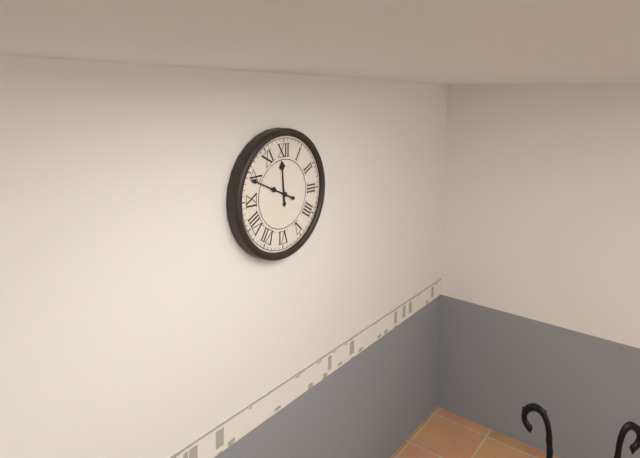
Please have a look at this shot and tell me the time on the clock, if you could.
11:49
